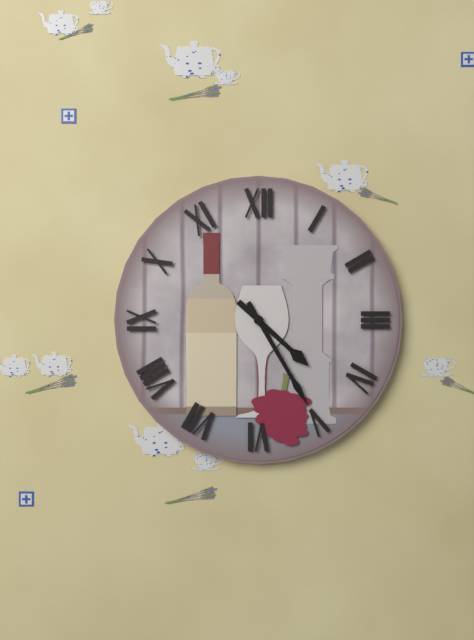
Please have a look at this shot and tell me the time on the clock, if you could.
4:25
